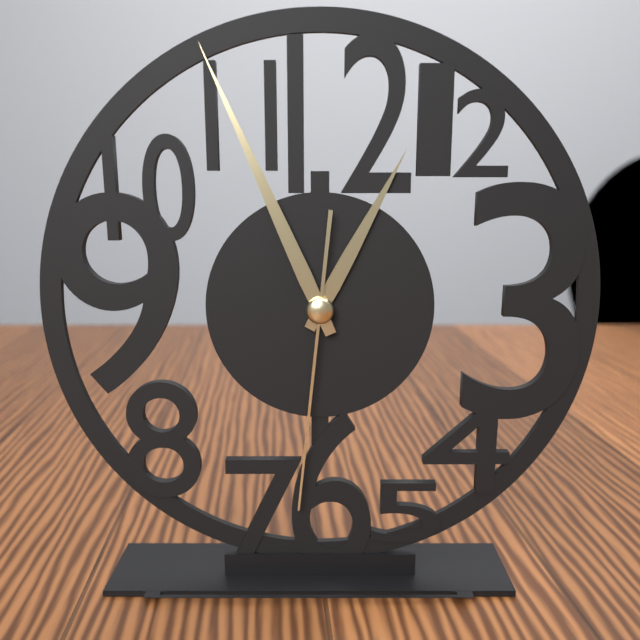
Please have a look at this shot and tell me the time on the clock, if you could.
12:56:31
